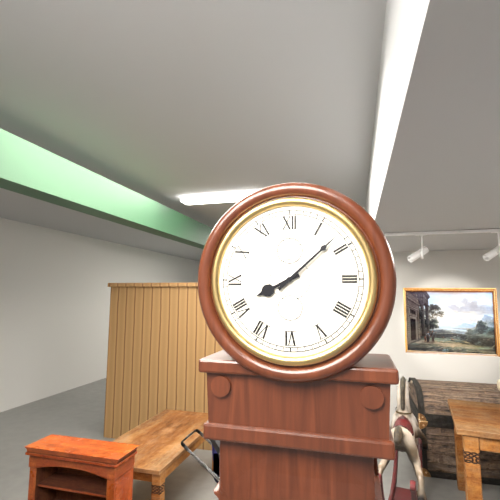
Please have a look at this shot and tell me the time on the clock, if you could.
8:08
